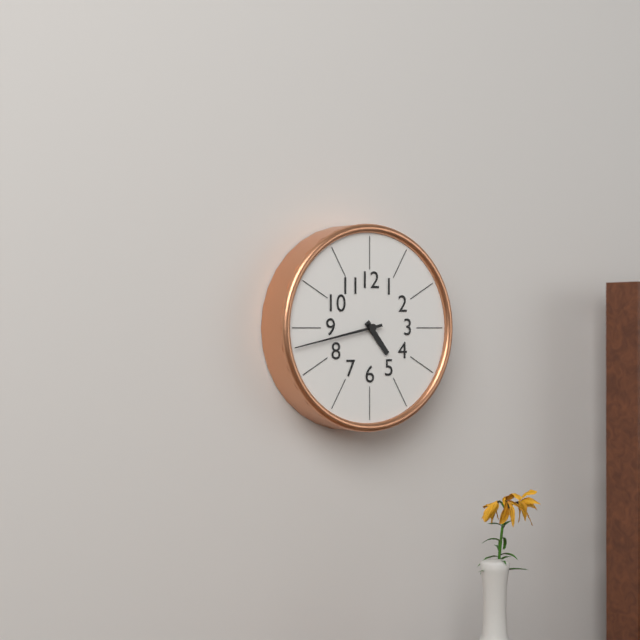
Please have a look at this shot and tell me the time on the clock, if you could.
4:43
